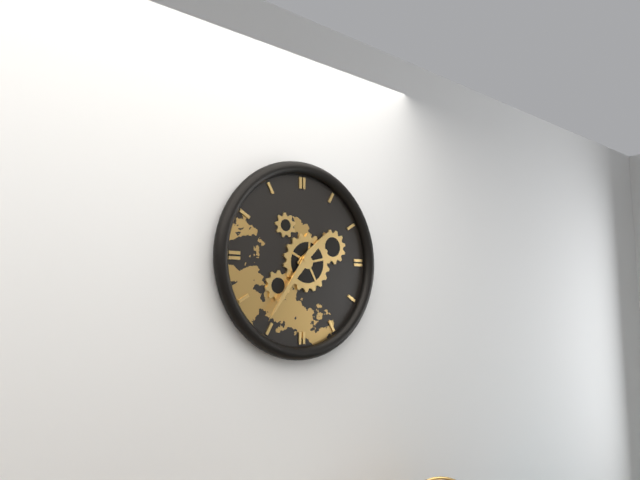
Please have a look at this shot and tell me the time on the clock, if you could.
1:36
